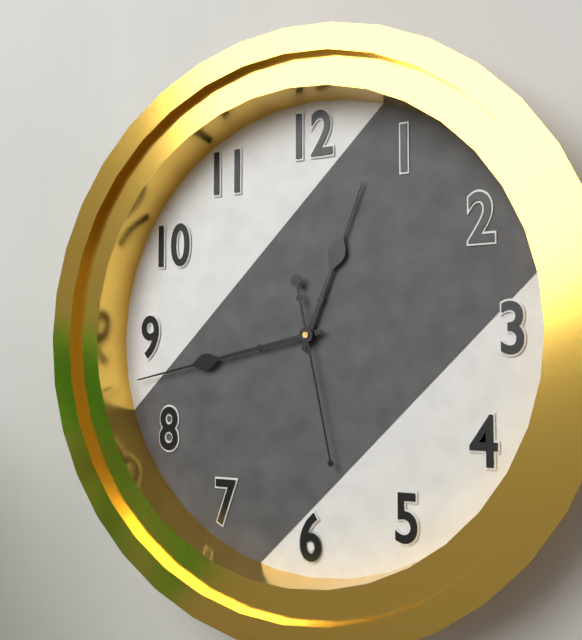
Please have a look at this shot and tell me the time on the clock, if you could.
12:43:28
